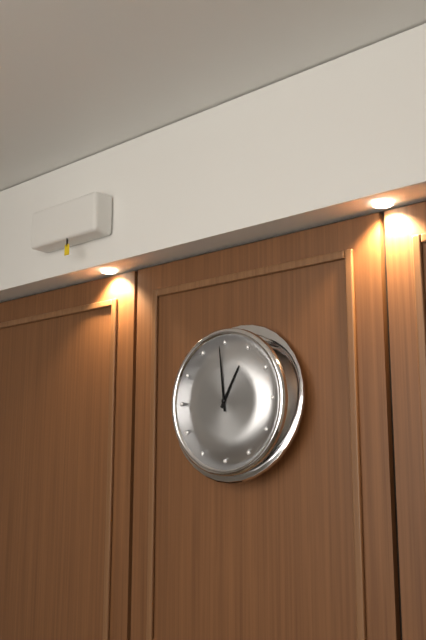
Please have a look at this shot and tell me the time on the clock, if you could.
12:59
